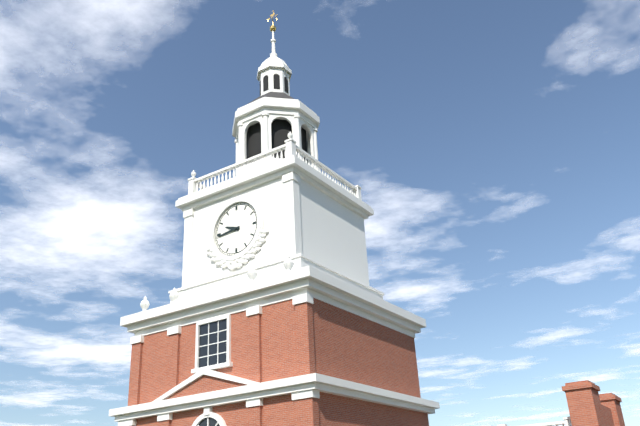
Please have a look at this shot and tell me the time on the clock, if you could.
9:44
